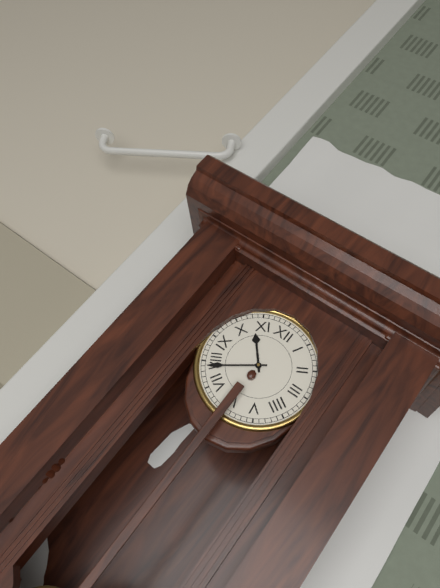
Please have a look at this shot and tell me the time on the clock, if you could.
10:39
